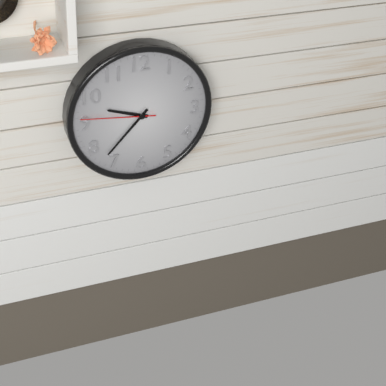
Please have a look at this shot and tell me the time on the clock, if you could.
9:37:46
